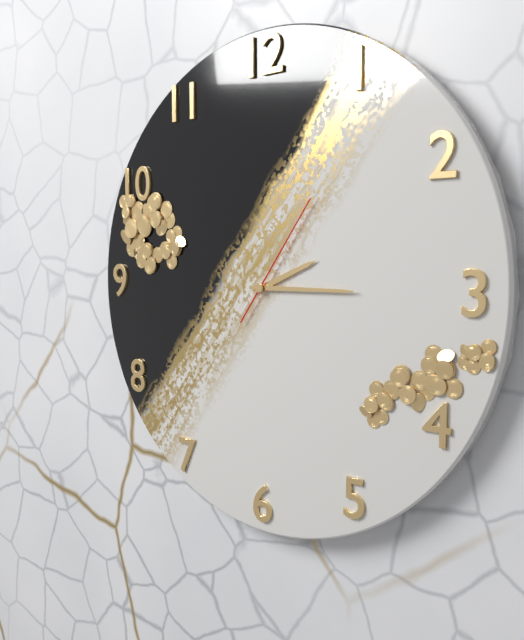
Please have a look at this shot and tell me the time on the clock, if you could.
2:15:06
